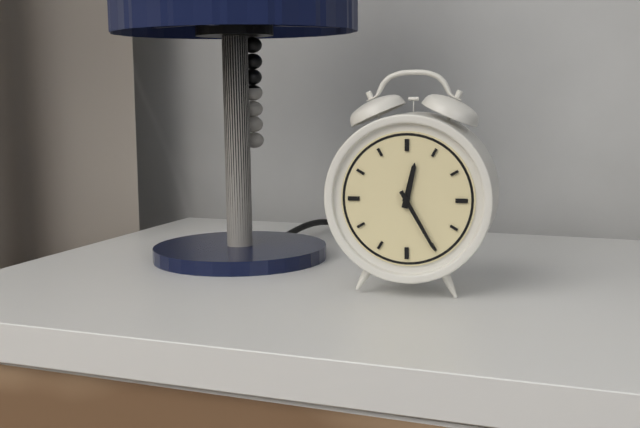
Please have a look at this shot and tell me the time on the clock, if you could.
12:25
